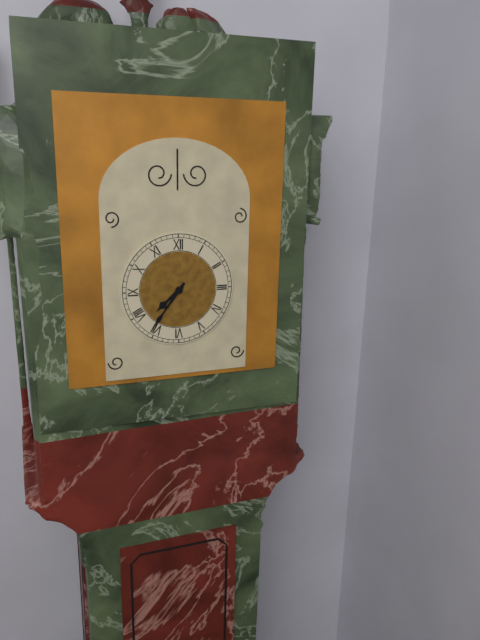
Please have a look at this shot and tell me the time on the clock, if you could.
7:36
